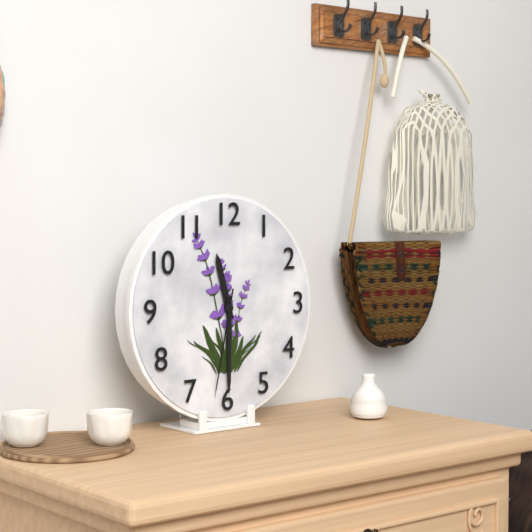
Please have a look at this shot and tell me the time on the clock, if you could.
11:30:32
